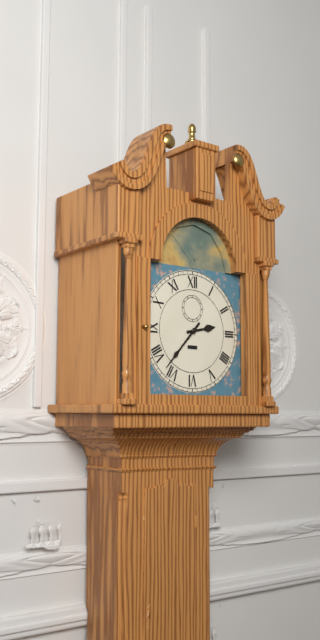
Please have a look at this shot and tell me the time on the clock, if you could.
2:37
